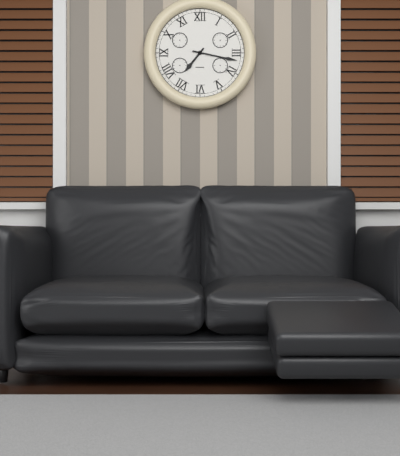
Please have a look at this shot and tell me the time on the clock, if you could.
7:17
